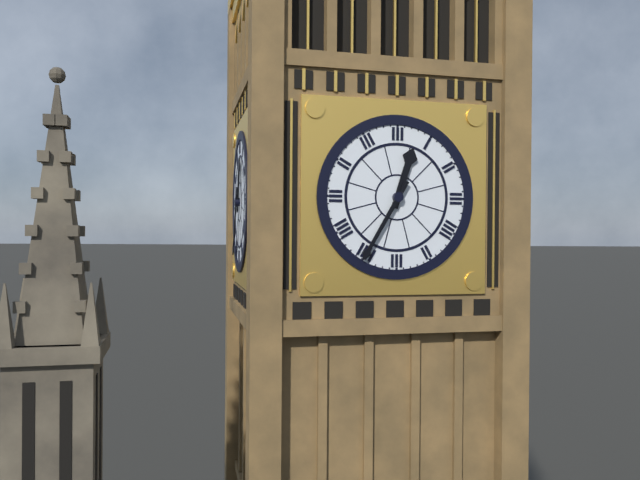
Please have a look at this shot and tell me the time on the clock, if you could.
12:35
